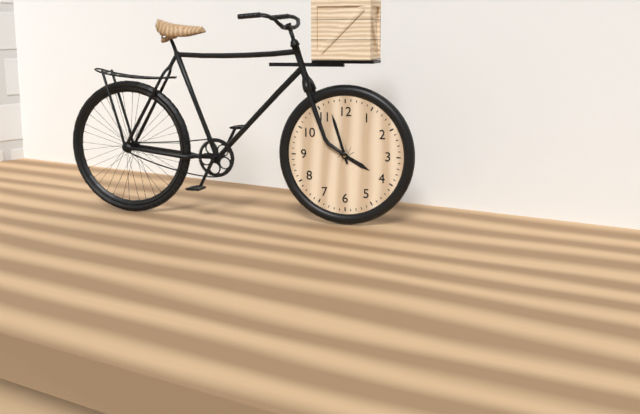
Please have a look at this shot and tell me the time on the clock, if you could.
3:57
